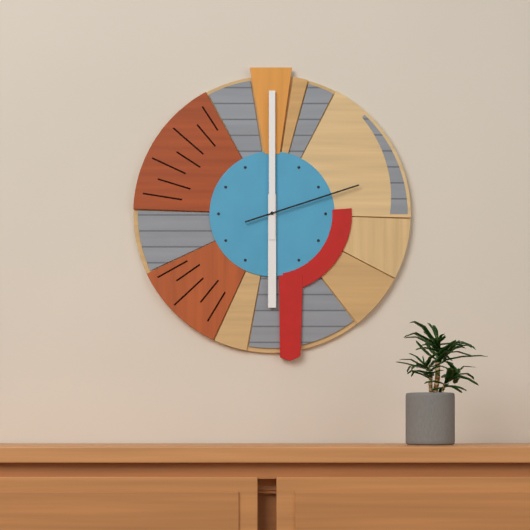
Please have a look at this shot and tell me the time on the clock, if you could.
6:00:12
